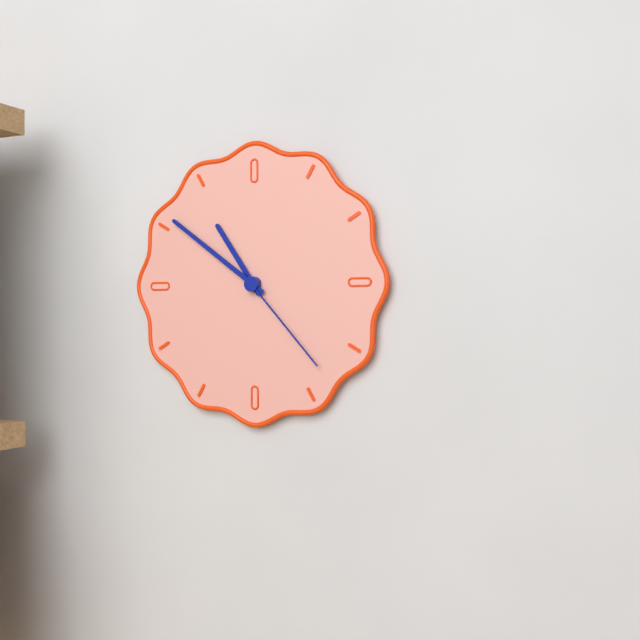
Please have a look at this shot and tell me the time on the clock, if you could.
10:51:23
